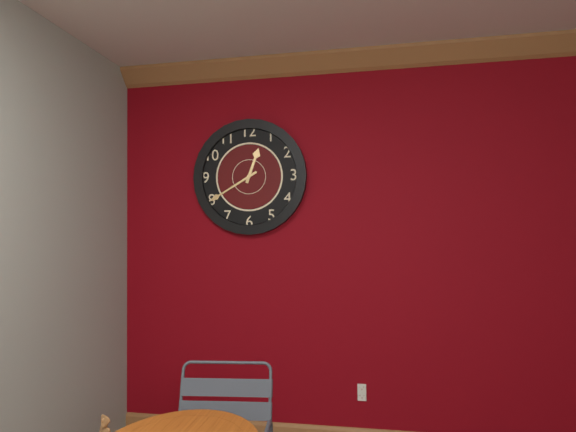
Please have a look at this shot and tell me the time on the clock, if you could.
12:40
